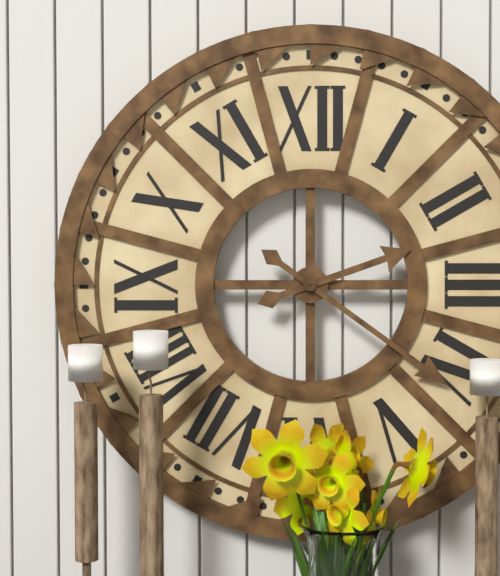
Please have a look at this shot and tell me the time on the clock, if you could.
2:21
